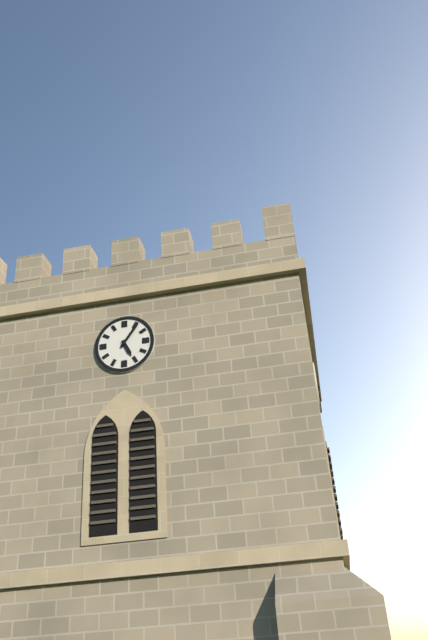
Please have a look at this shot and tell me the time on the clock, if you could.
5:06
